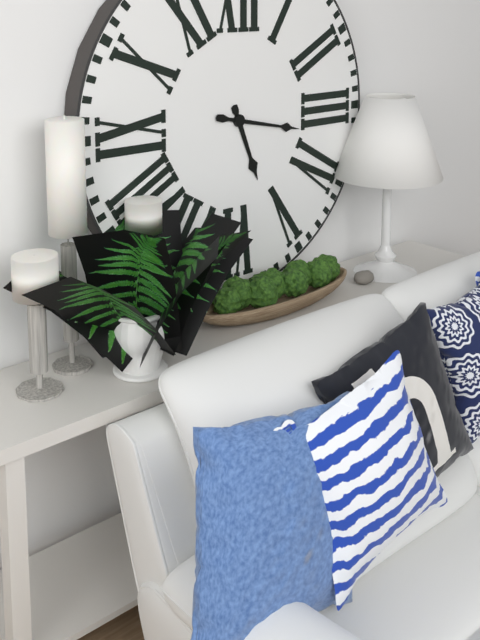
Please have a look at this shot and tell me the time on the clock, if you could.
5:17
